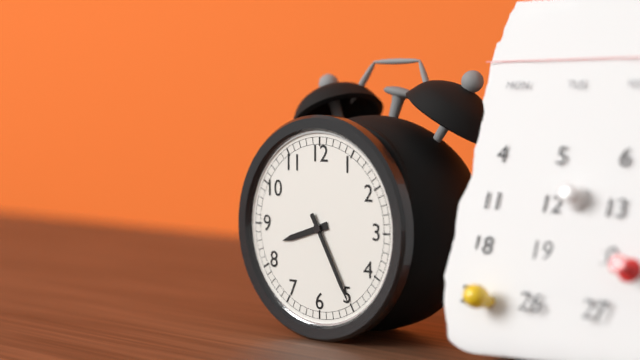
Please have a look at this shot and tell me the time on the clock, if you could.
8:25
